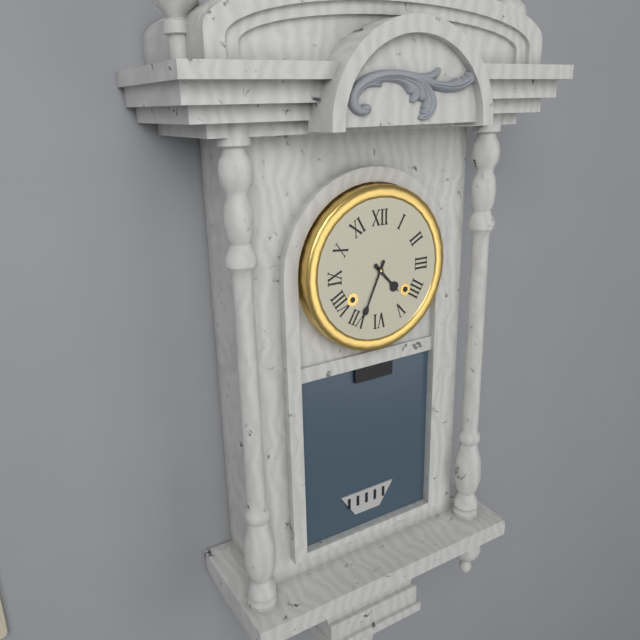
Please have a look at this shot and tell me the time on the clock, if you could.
4:34
